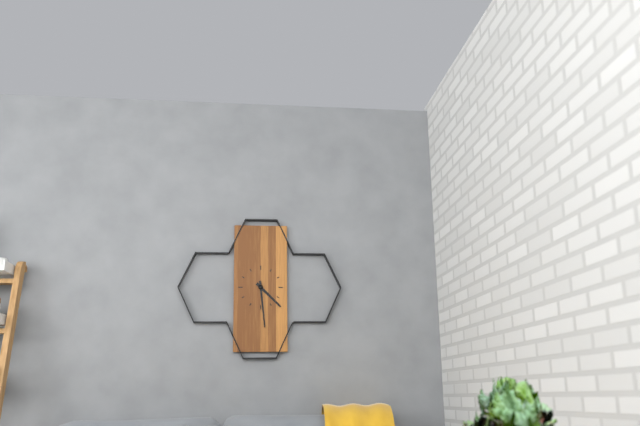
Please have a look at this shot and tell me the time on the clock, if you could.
4:29
